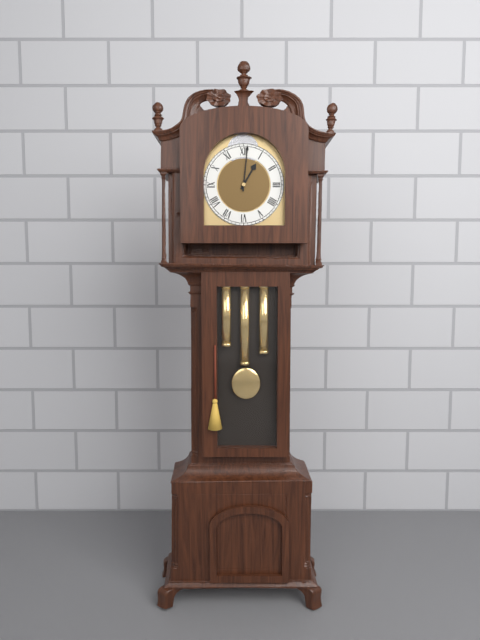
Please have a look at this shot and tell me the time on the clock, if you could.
1:01
